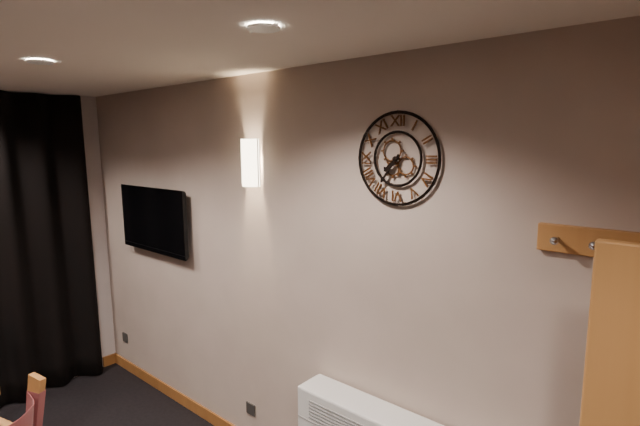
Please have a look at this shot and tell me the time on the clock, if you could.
7:36
